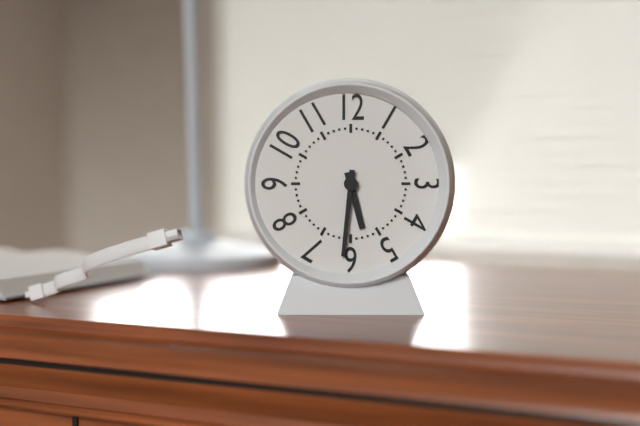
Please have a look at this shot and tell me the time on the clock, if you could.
5:31
